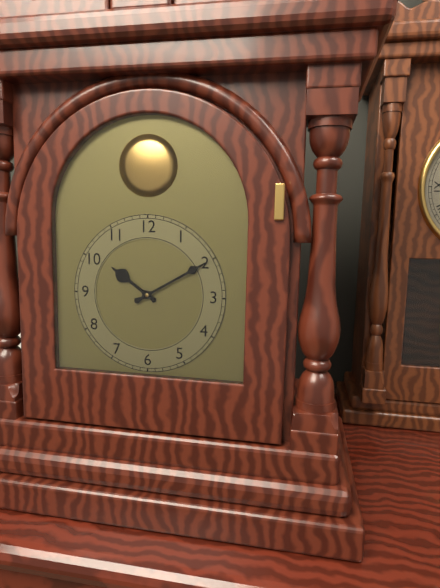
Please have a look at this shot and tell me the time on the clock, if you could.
10:10
